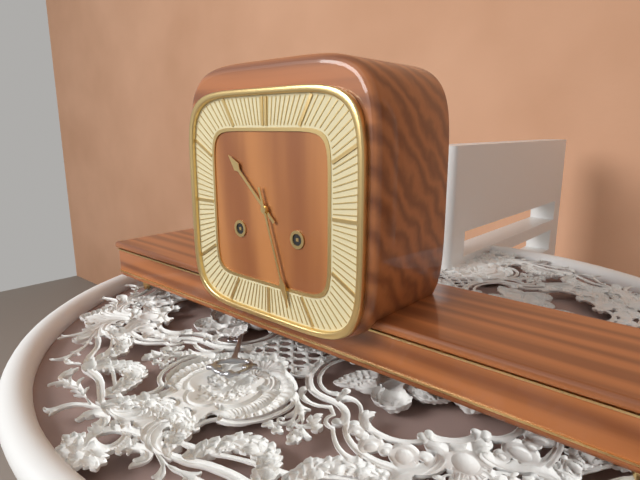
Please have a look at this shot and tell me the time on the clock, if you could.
10:27
